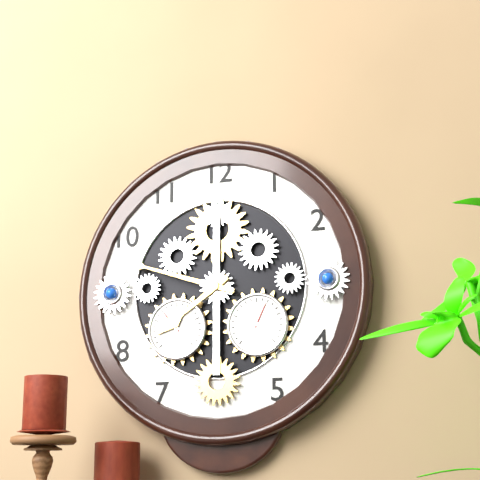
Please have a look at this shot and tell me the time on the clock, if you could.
7:48
